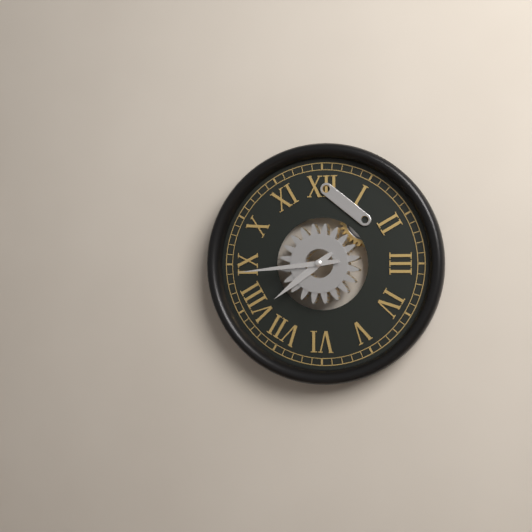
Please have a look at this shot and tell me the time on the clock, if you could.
7:44
